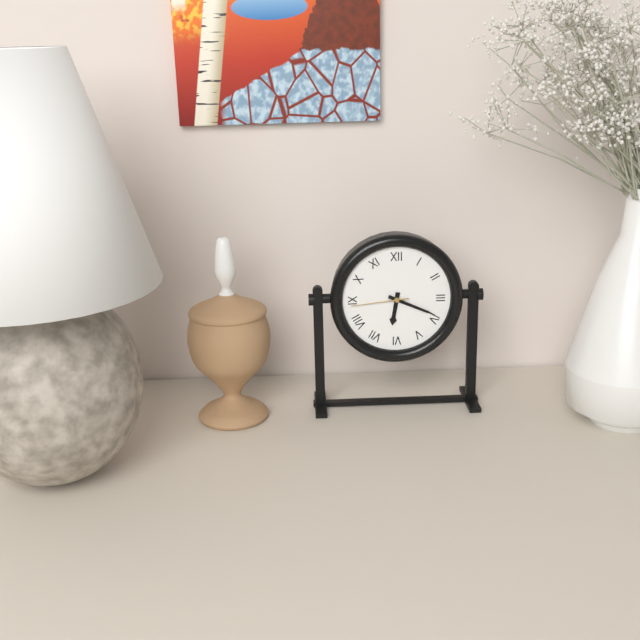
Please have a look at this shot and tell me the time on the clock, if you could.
6:19:44
